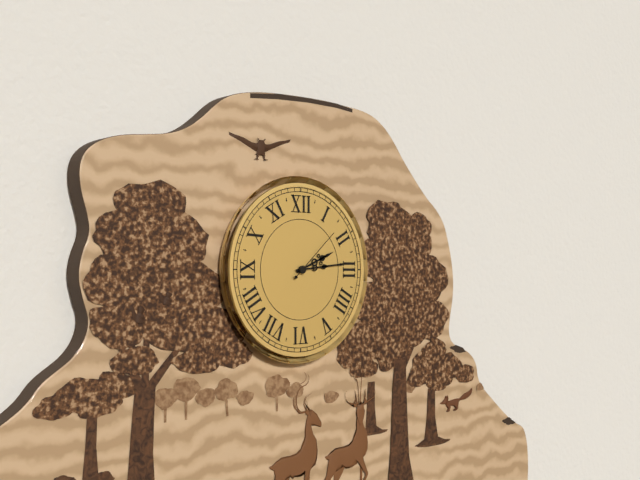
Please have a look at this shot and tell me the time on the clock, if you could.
2:14:08
